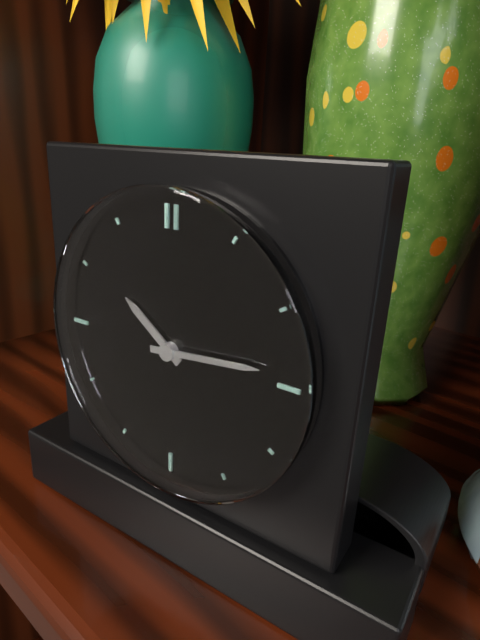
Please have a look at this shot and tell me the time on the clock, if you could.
10:14
